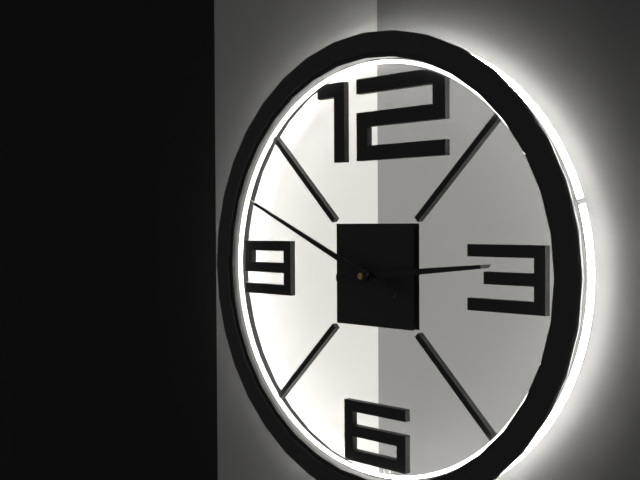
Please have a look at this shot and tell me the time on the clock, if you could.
2:49
